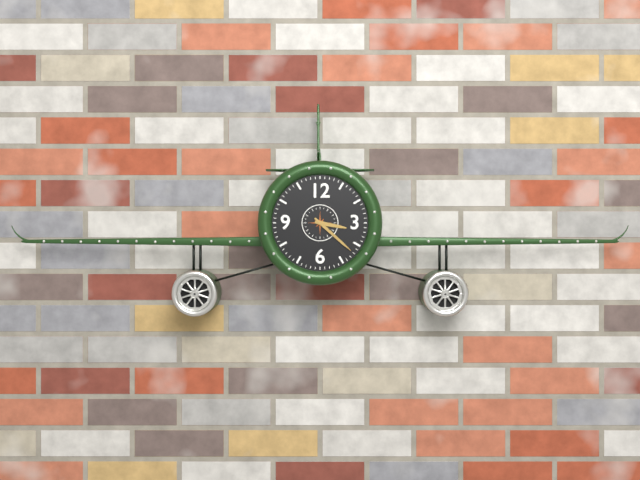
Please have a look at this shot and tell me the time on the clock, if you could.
3:22
